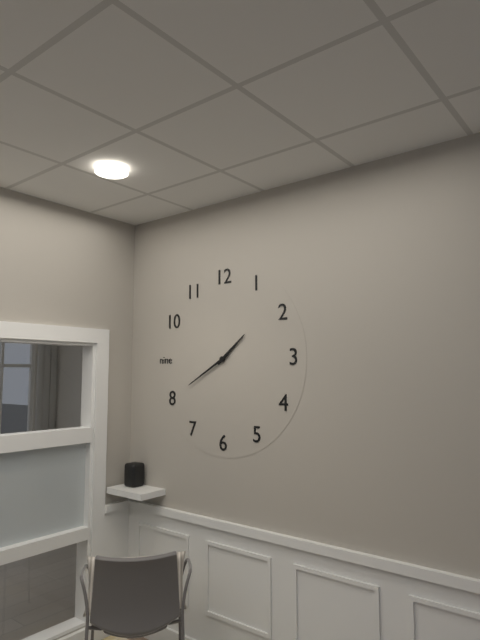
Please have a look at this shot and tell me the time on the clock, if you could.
1:40
